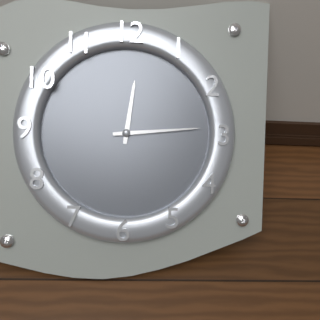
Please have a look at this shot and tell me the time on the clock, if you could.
12:14
